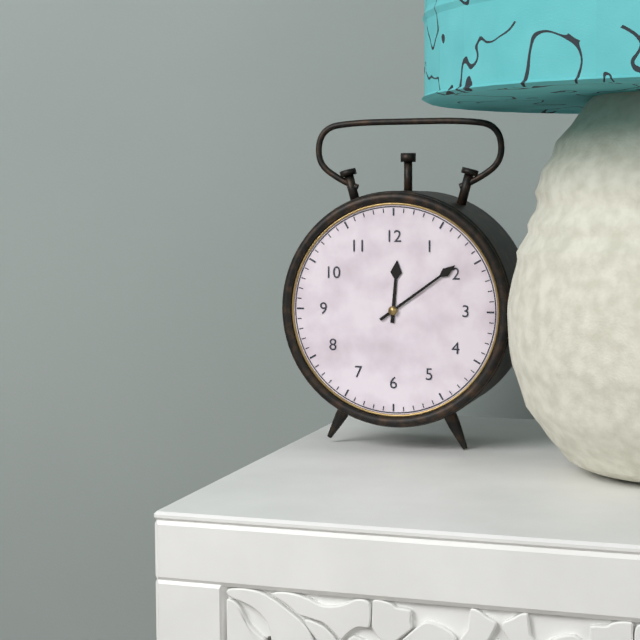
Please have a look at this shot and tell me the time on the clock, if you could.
12:09
